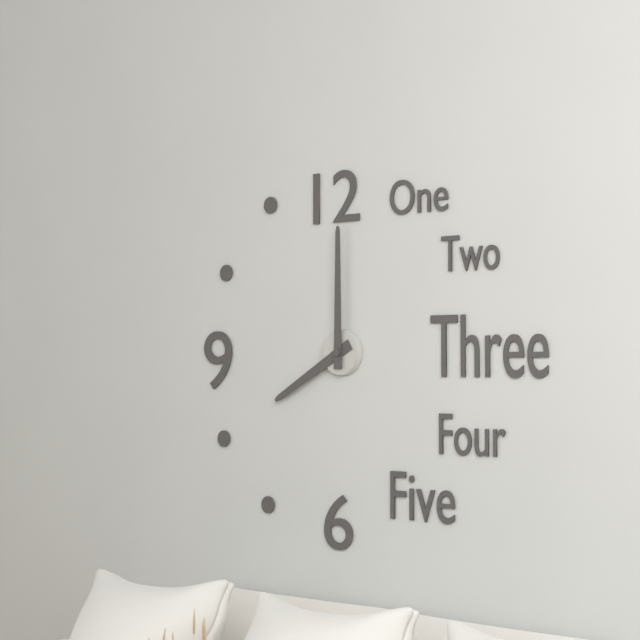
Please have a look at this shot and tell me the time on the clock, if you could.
8:00
